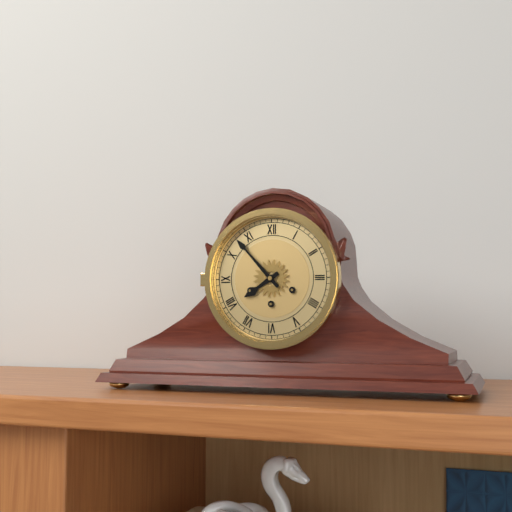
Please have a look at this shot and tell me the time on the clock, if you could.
7:53
